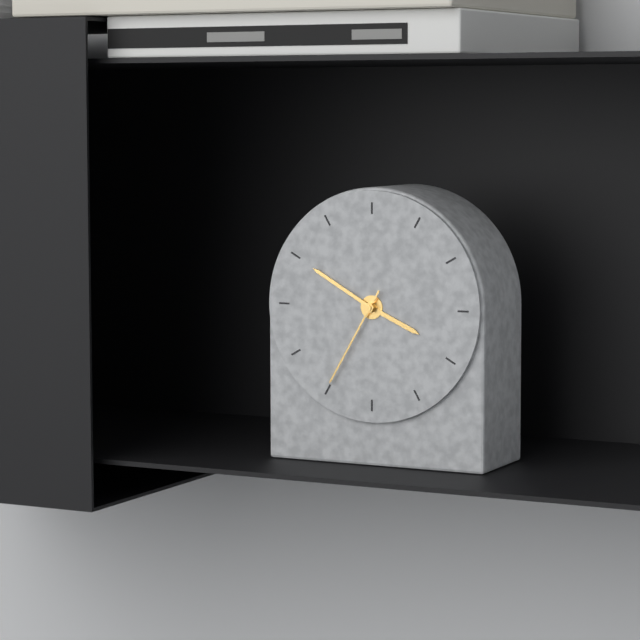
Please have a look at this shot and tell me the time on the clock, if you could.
3:50:35
